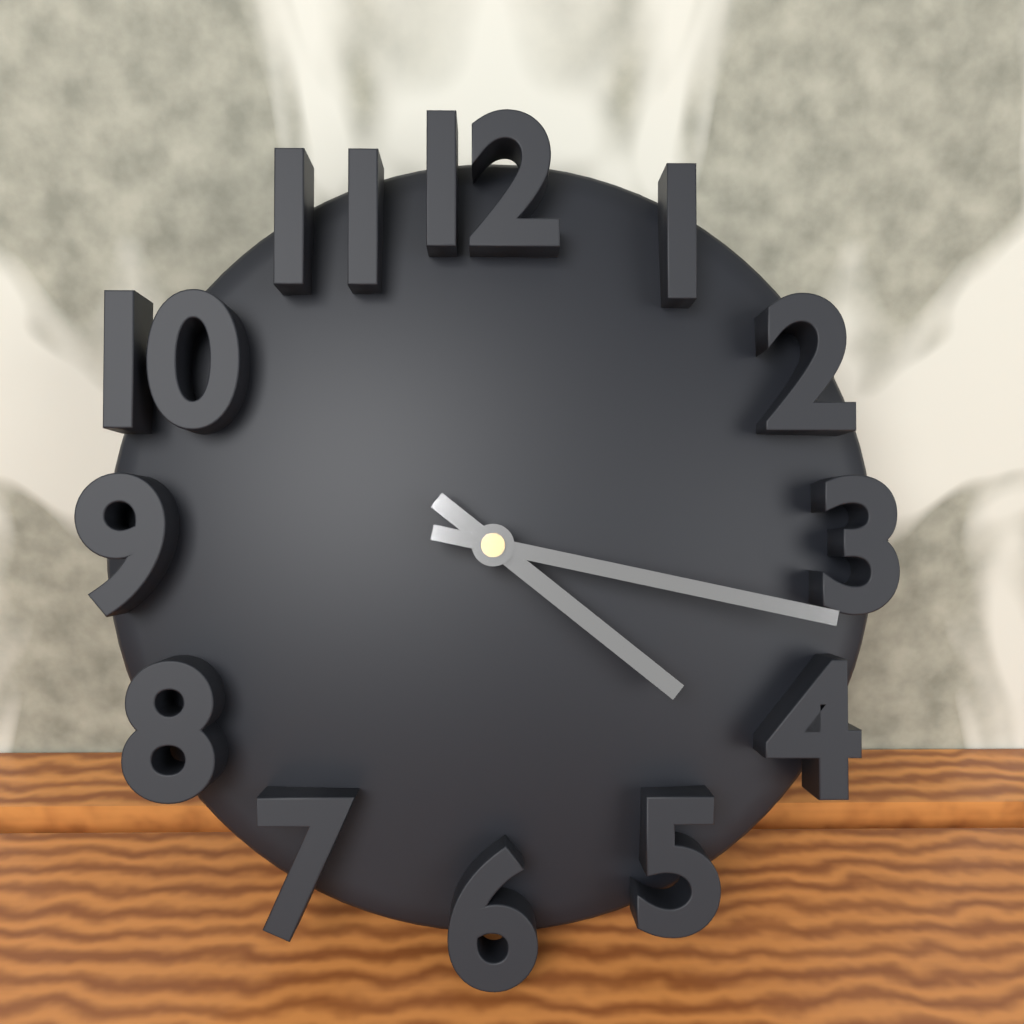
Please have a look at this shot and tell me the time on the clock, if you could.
4:17
